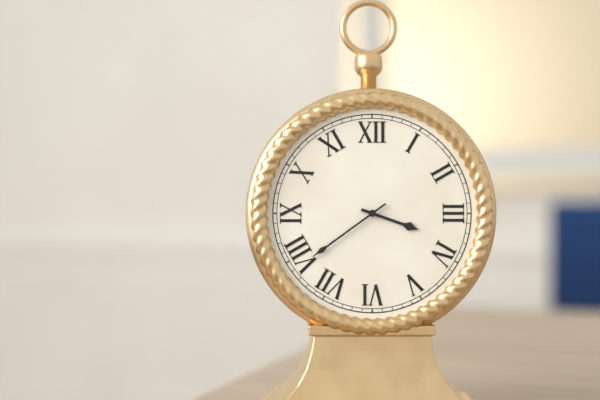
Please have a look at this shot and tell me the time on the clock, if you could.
3:39
